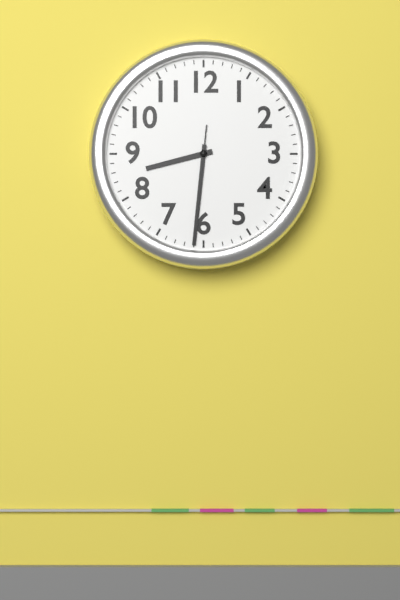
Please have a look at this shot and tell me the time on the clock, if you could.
8:31:31
